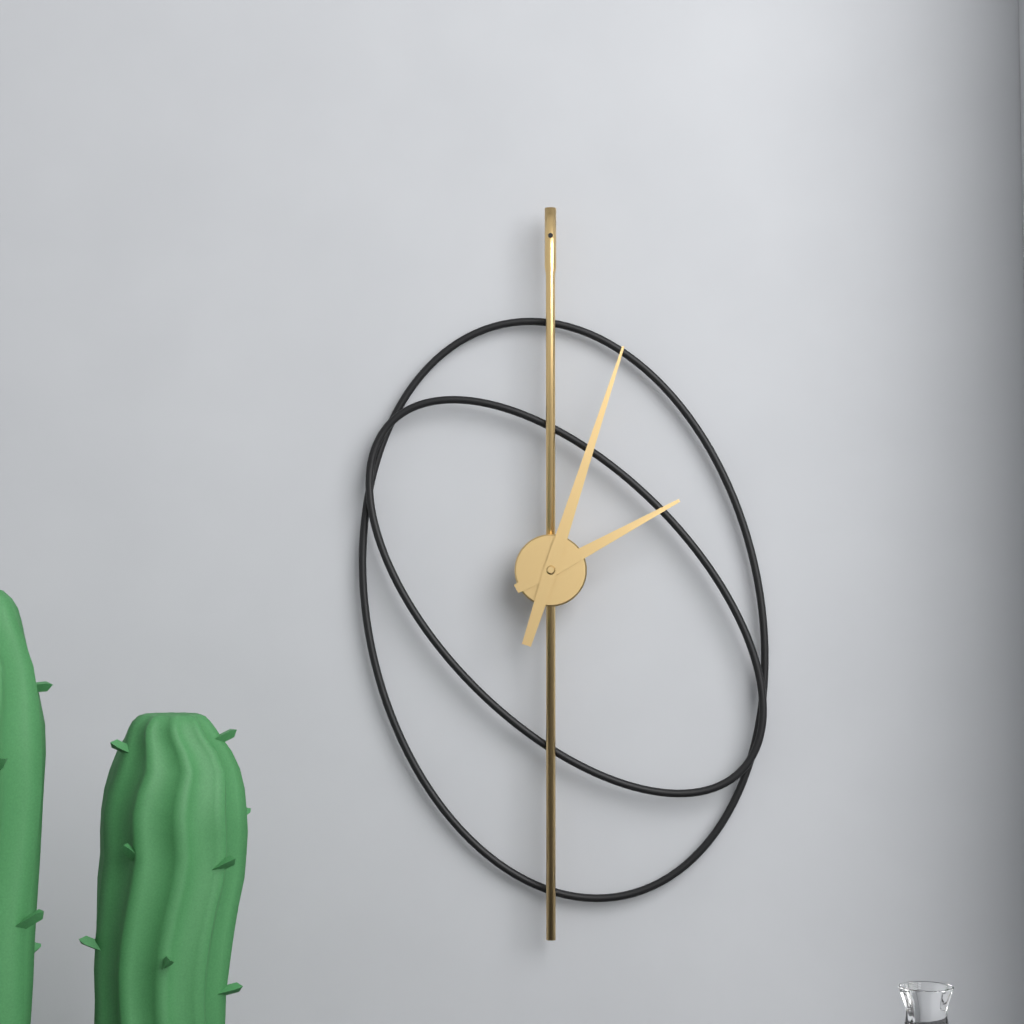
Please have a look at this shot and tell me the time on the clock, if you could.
2:03
